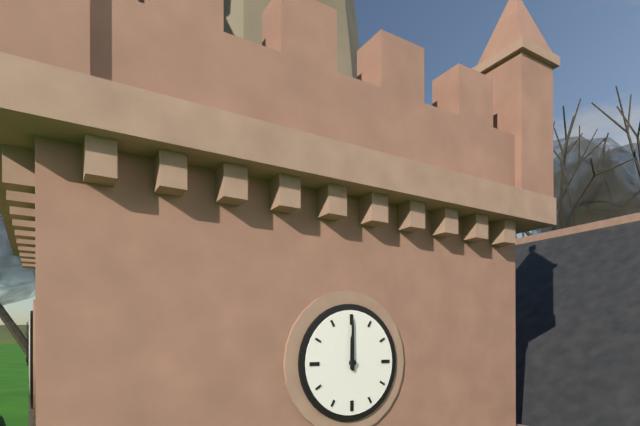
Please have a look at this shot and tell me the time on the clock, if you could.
12:00
